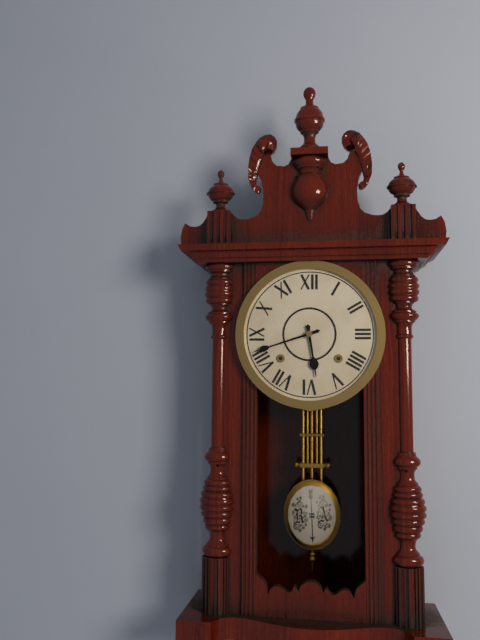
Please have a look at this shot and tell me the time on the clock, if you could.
5:42
